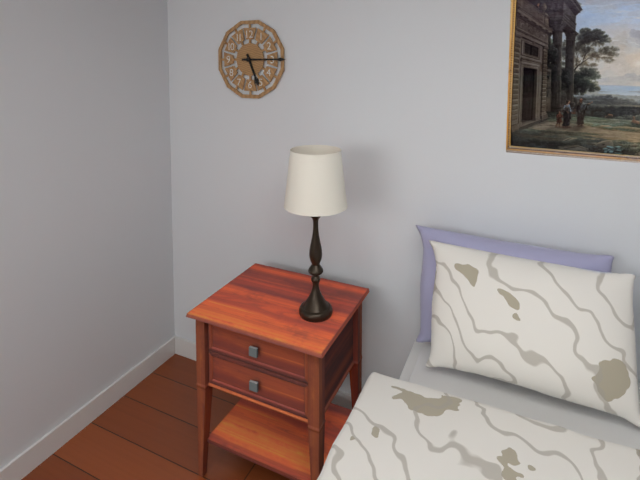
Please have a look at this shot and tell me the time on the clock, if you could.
5:15
